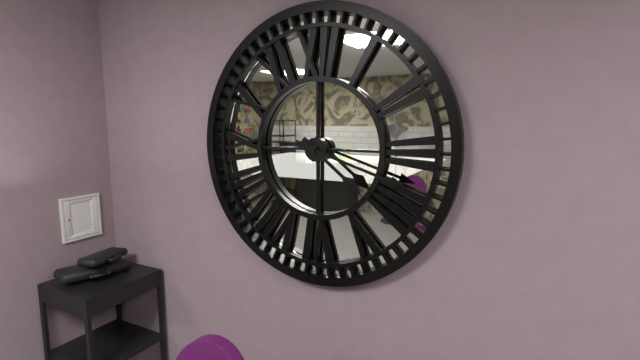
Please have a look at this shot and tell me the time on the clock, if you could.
4:18
